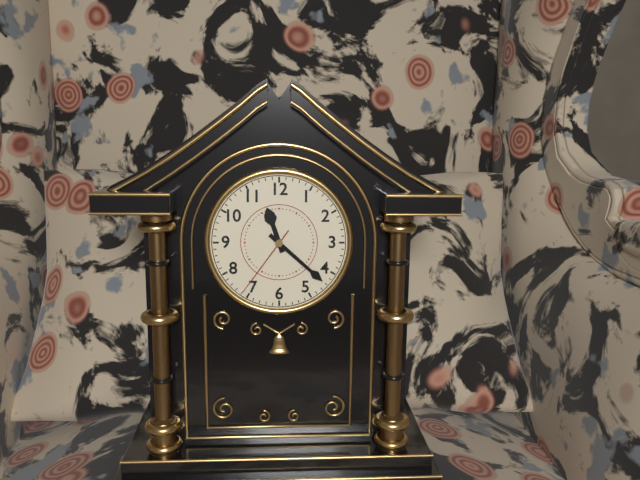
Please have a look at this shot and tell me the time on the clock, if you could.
11:22:36
